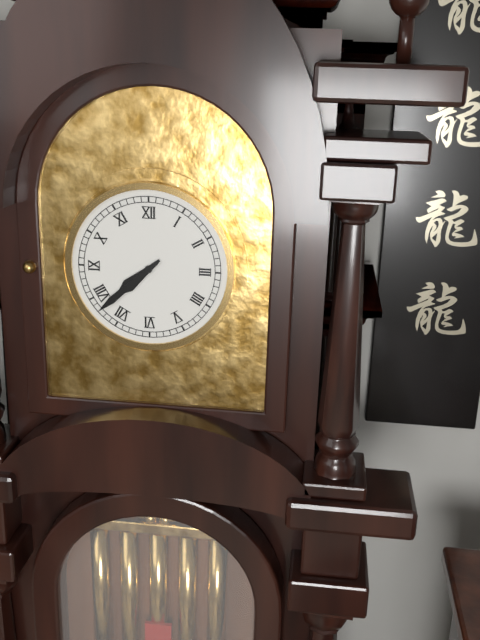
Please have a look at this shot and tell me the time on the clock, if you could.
7:38
